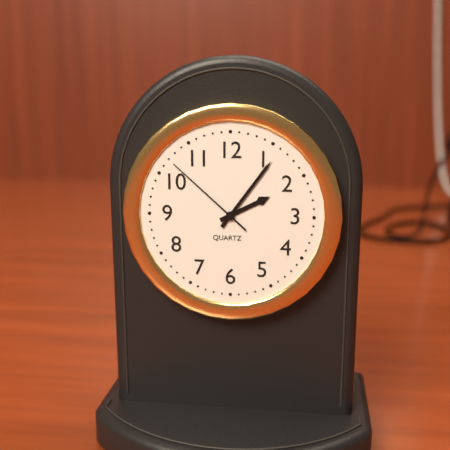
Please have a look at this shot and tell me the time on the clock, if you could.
2:06:52
